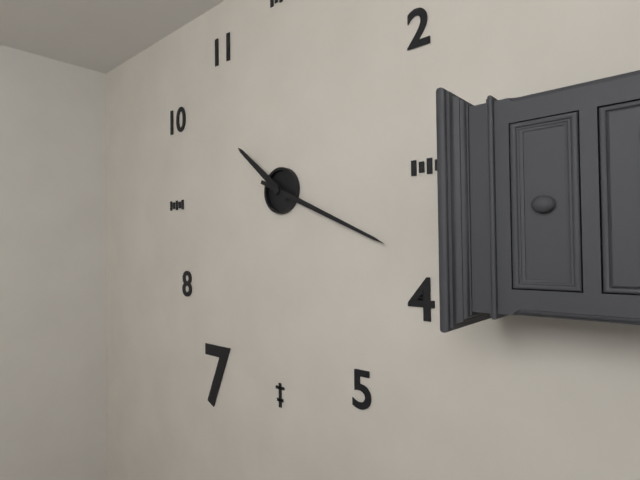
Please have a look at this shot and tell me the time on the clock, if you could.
10:19
